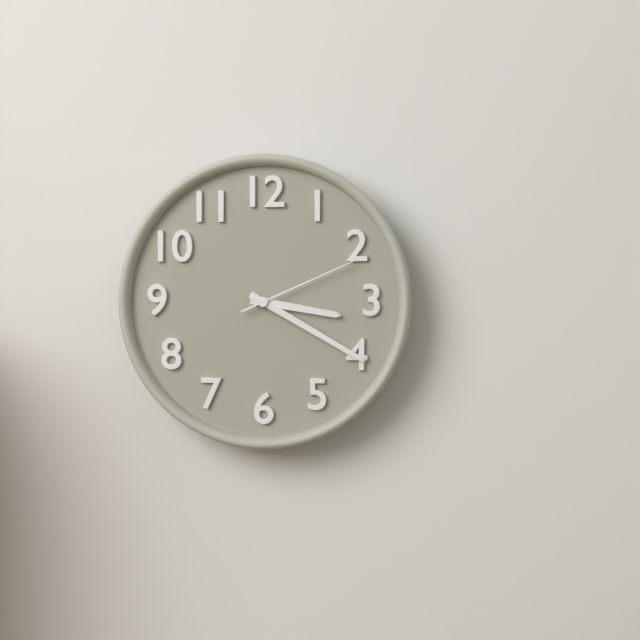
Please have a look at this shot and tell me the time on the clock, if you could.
3:20:11
